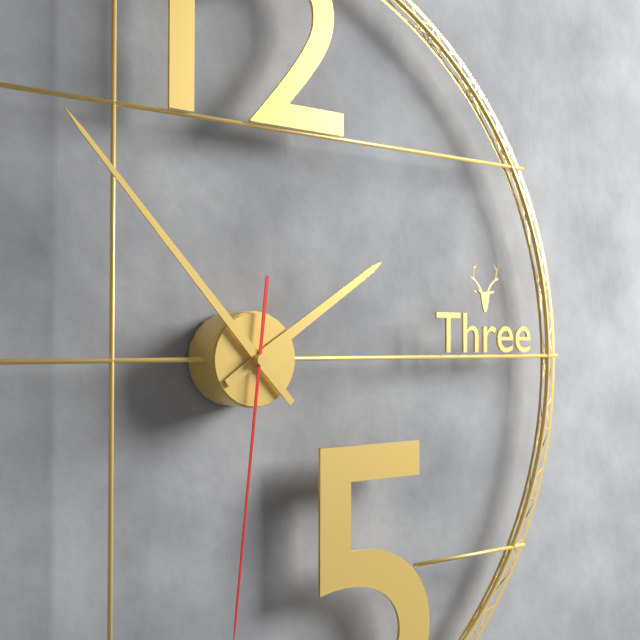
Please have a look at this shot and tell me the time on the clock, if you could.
1:53
